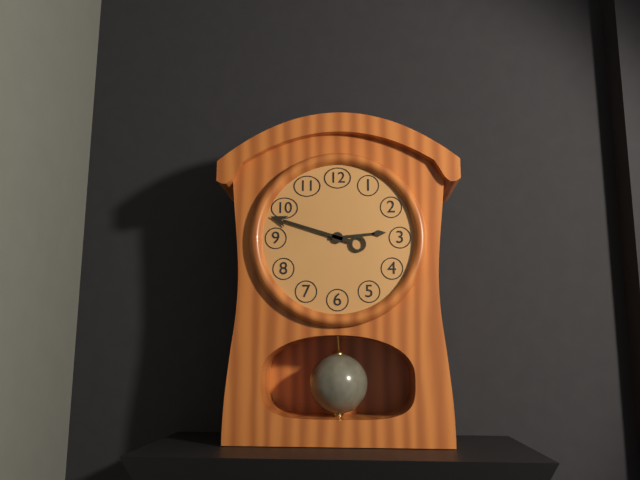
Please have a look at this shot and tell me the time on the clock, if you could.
2:48
